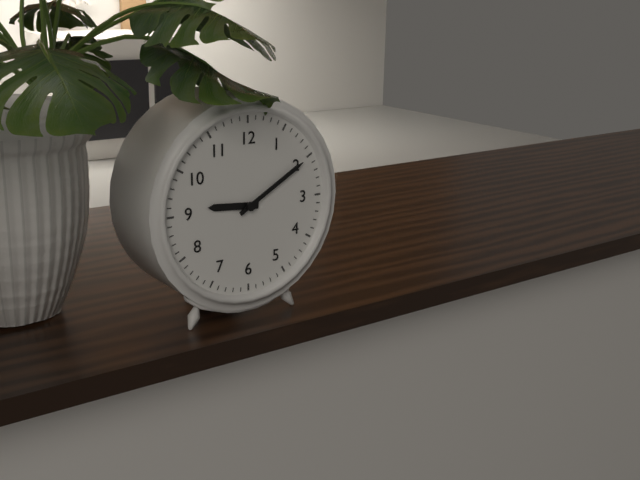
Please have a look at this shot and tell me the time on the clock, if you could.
9:10
